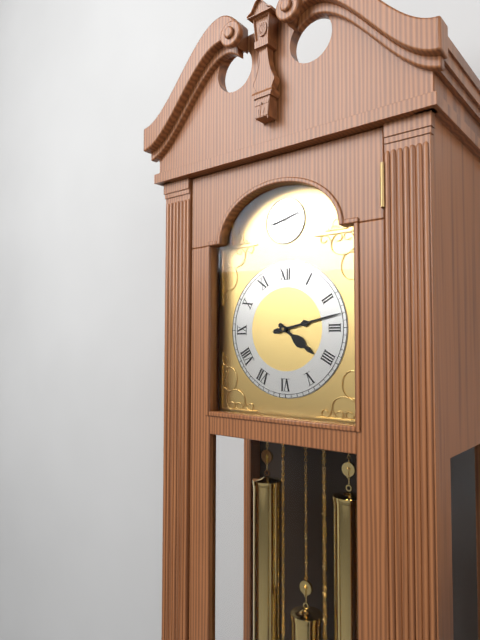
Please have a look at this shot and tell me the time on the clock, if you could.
4:13
